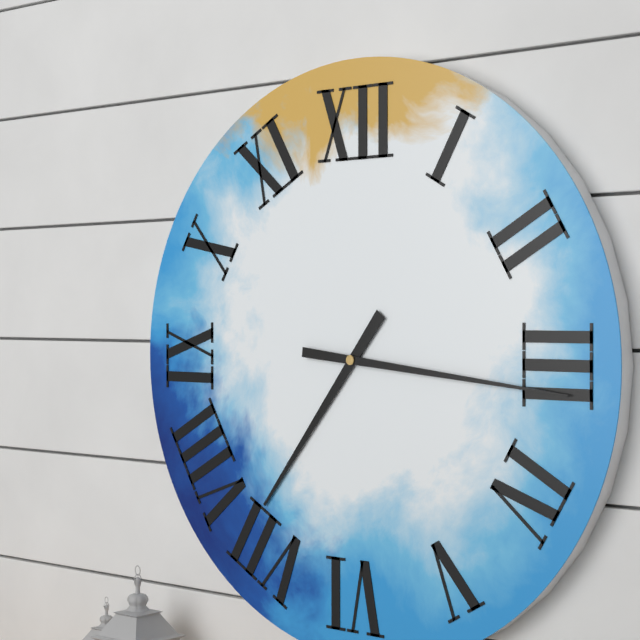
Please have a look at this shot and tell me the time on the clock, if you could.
7:16
